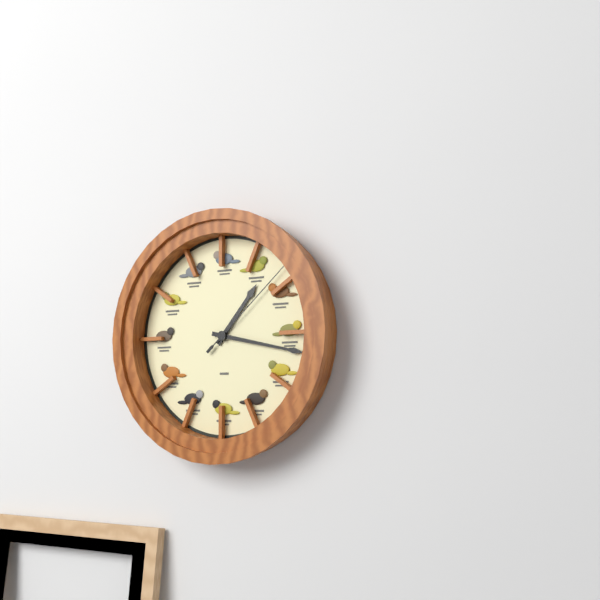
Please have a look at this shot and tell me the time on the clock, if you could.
1:17:08
